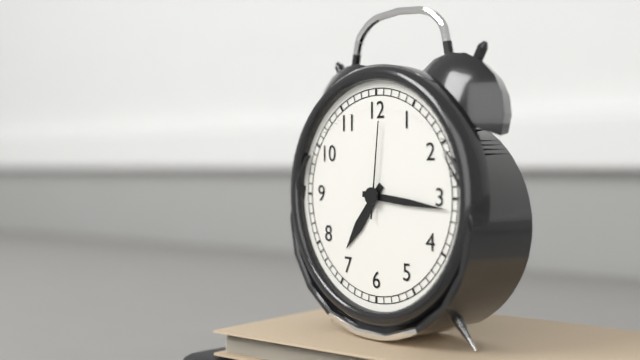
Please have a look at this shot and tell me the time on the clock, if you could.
7:16:01
